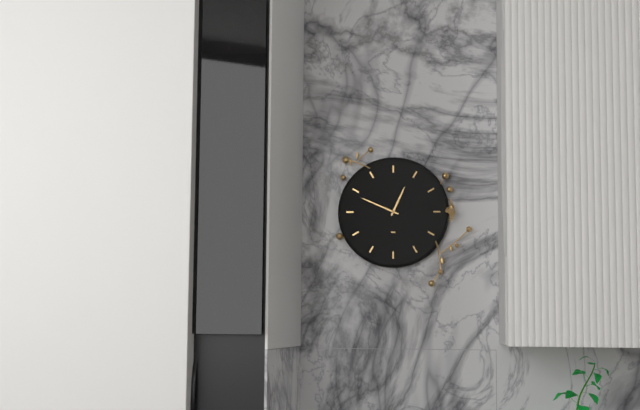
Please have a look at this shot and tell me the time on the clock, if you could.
12:49
